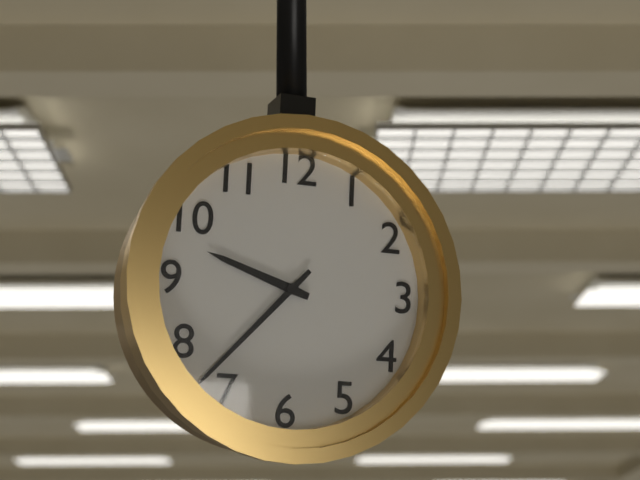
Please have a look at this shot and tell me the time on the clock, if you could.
9:37
